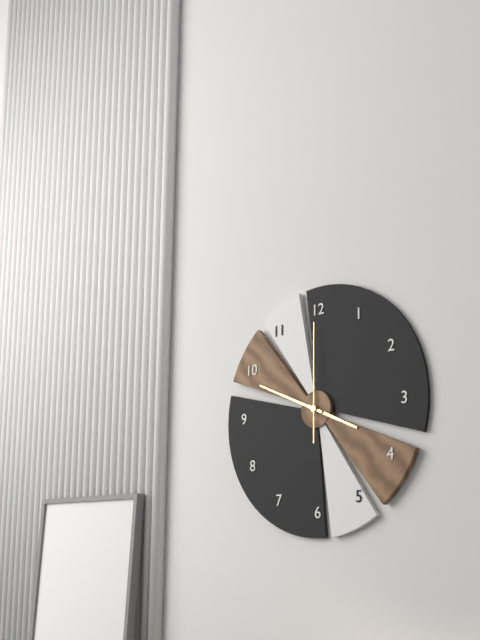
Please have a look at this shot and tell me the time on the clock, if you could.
3:49:00
